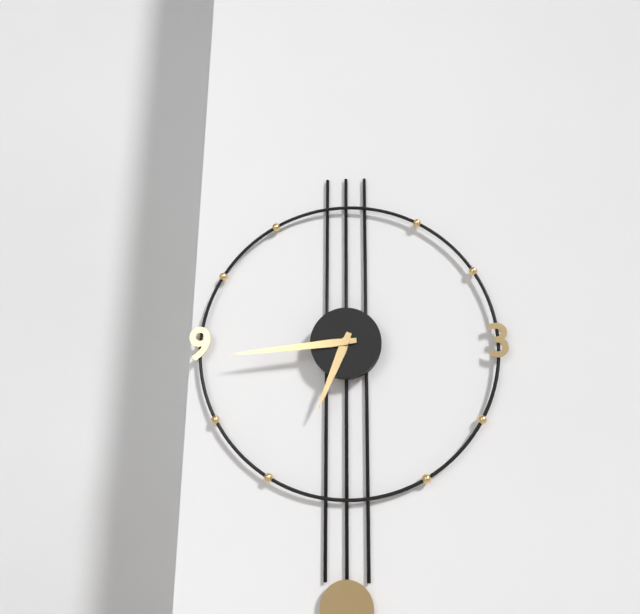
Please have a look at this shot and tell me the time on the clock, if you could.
6:44
